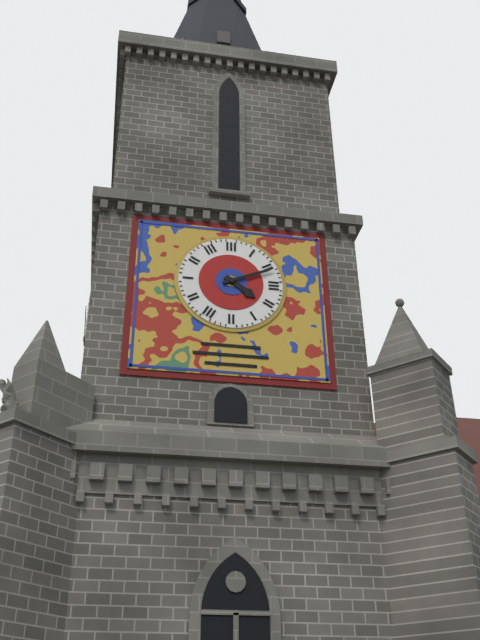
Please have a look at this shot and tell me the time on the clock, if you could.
4:11
